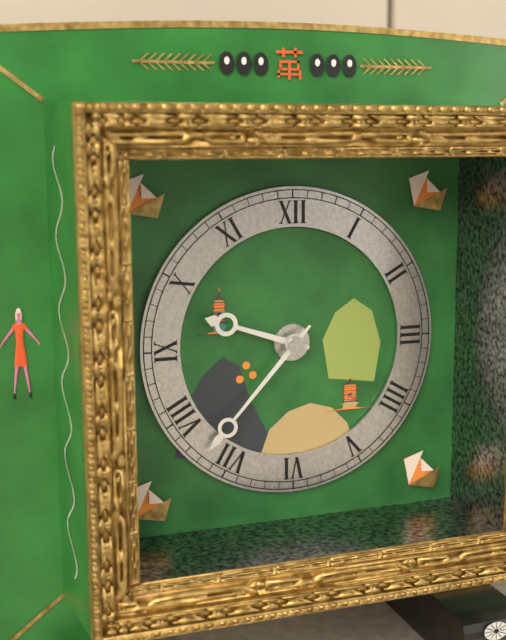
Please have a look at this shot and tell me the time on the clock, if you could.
9:37
